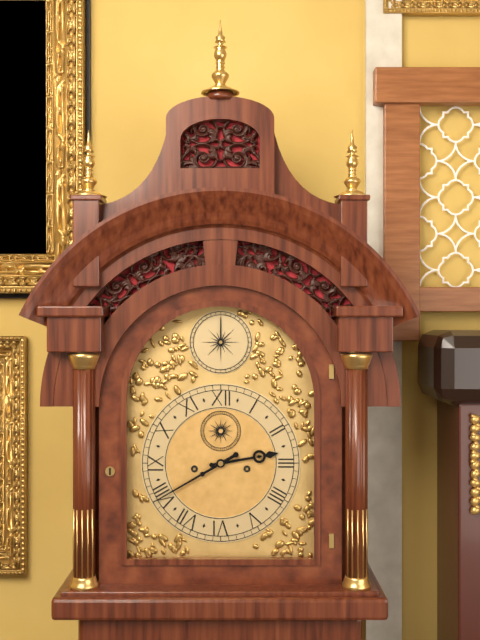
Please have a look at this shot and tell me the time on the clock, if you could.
2:40
